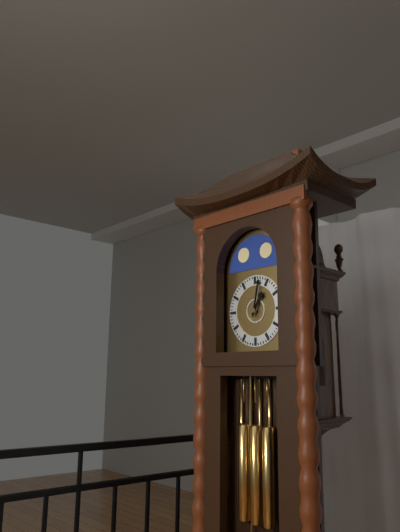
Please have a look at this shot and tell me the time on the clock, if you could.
1:02
